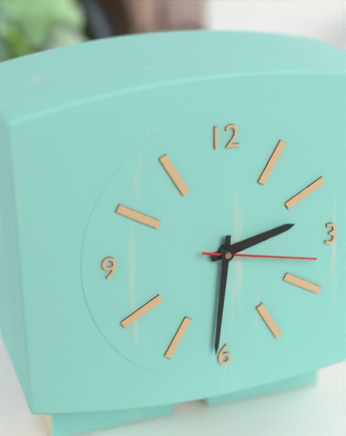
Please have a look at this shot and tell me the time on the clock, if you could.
2:31:17
